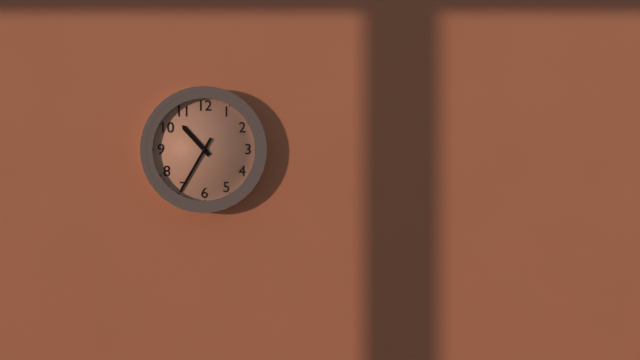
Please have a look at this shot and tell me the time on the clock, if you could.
10:35
